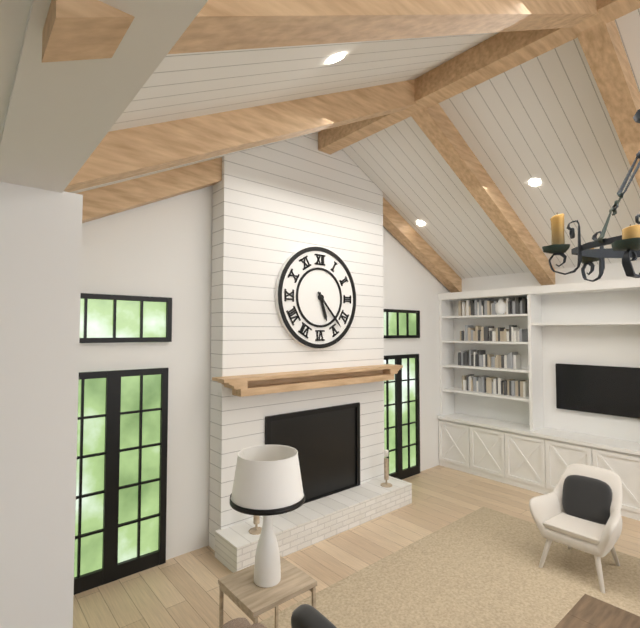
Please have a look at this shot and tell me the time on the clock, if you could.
5:23
